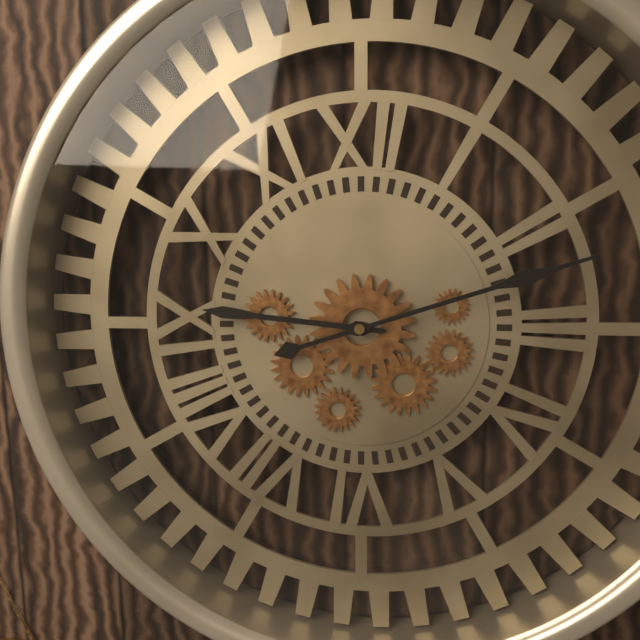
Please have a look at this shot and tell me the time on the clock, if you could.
9:12
